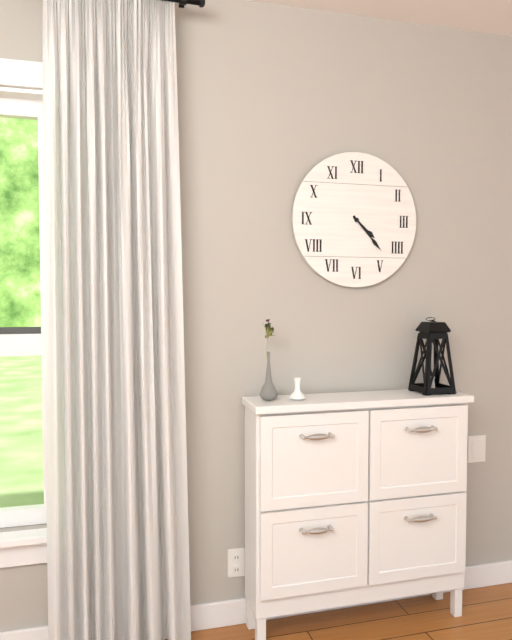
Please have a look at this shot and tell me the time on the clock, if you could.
4:23
